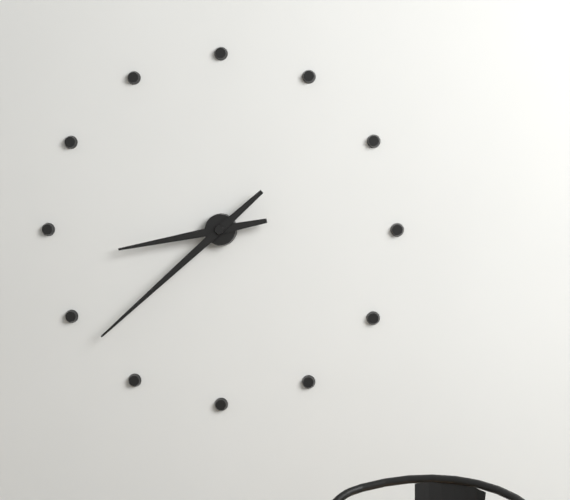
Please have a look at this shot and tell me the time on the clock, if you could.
8:38
